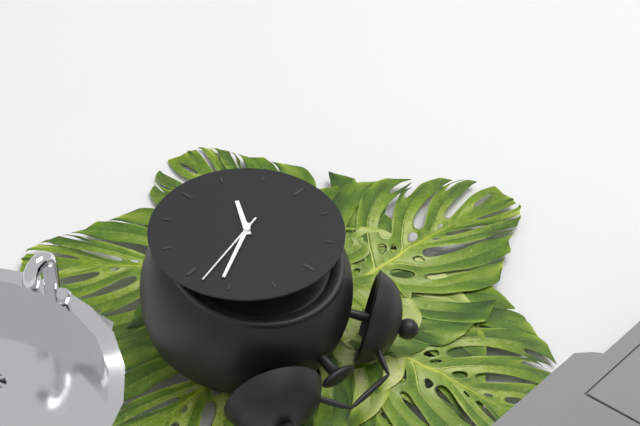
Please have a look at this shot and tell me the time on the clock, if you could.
7:11:13
